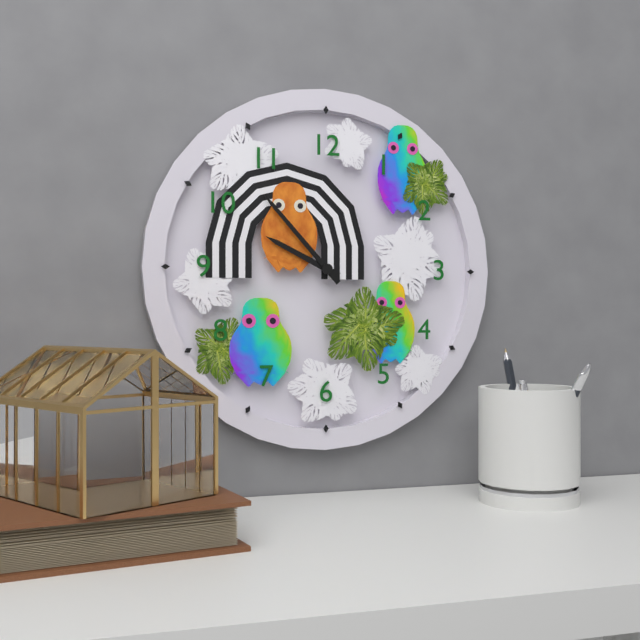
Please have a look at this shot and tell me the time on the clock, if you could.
9:53
